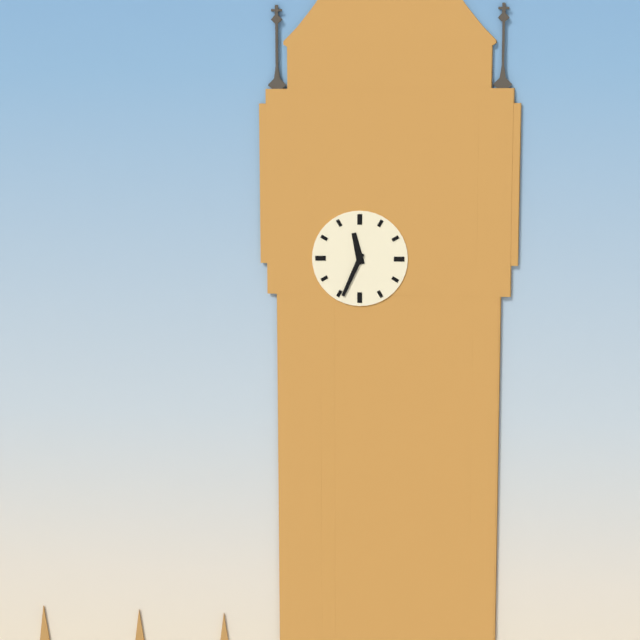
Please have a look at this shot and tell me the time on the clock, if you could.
11:34
